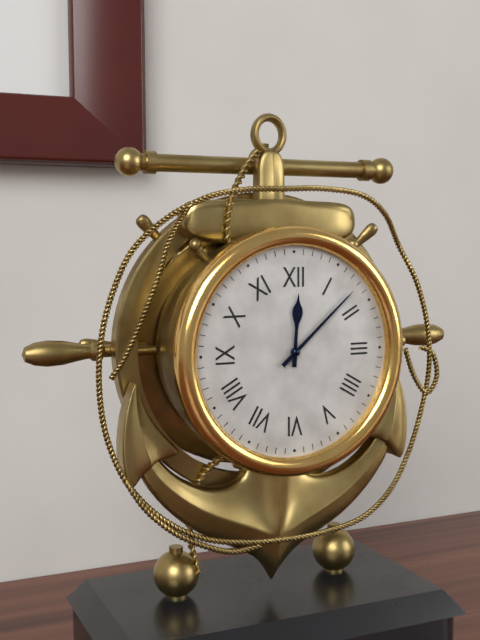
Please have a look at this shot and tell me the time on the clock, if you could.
12:08
